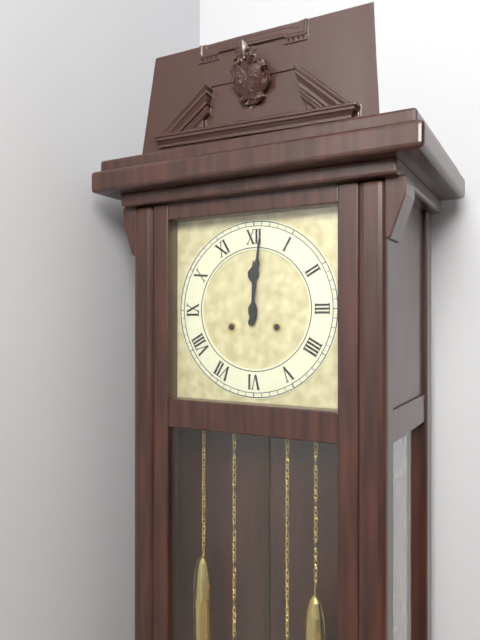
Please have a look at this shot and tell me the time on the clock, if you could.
12:01
